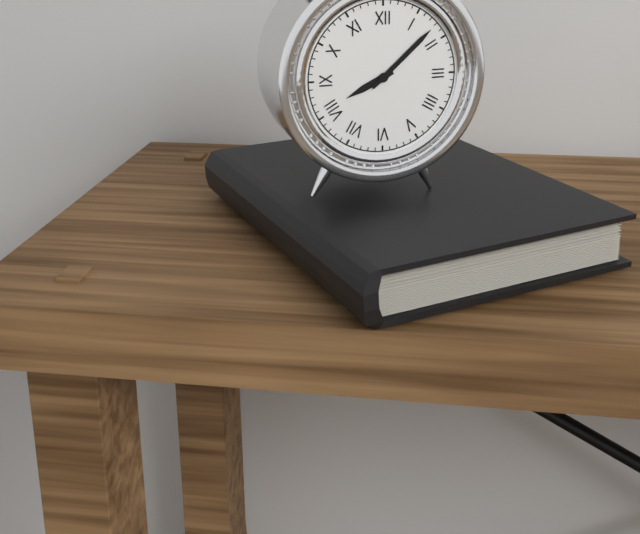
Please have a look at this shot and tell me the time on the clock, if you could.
8:08
